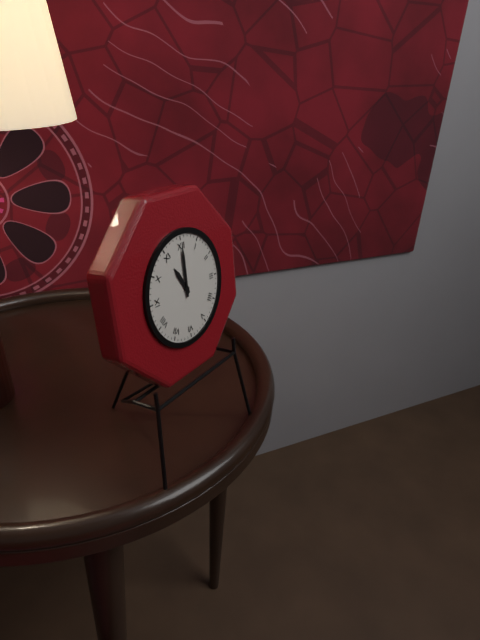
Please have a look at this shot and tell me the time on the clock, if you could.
11:00
